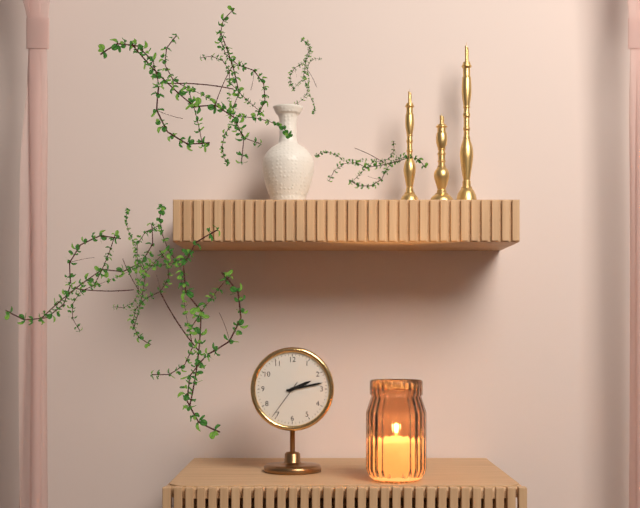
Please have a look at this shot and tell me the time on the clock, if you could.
2:13
